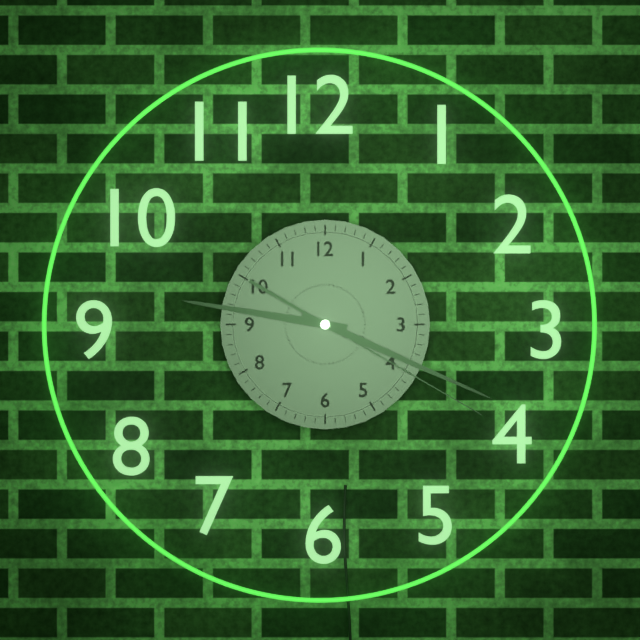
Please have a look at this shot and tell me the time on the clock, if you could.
9:19:20
